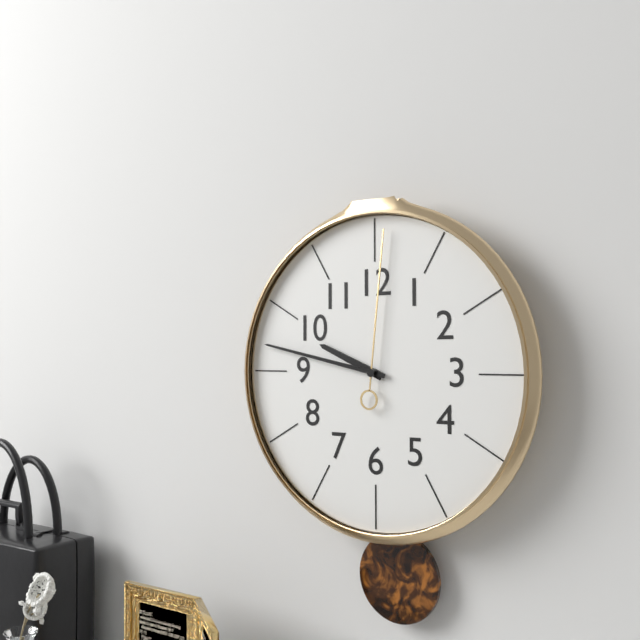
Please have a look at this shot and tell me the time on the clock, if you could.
9:47:01
